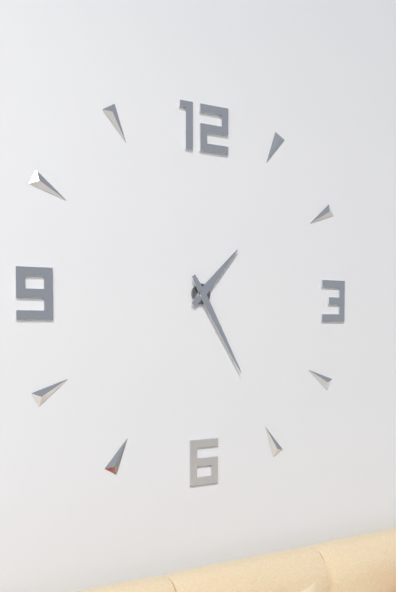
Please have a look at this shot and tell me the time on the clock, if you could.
1:25
